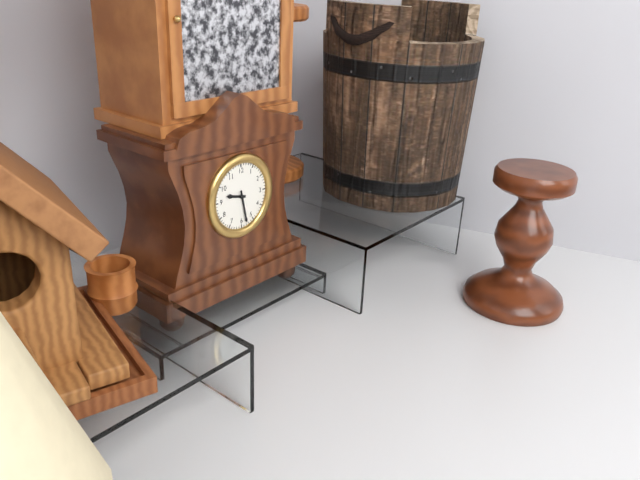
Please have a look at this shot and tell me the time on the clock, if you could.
9:28
